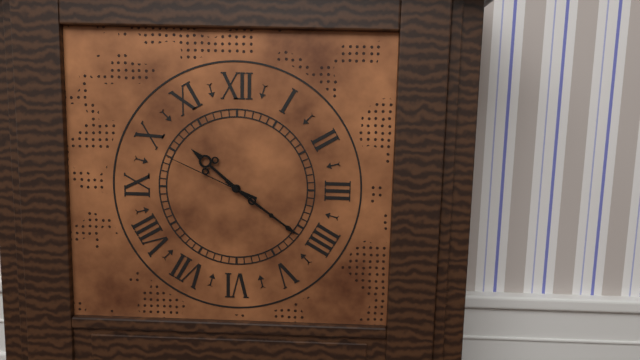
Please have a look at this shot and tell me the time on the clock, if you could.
10:21:49
